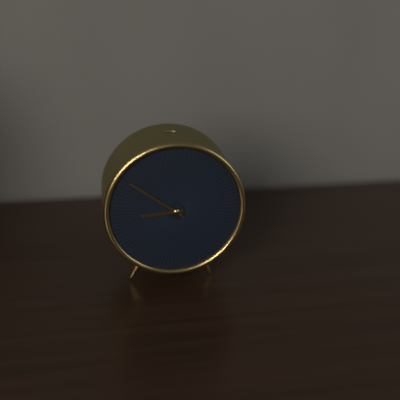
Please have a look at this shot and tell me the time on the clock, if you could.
8:51
